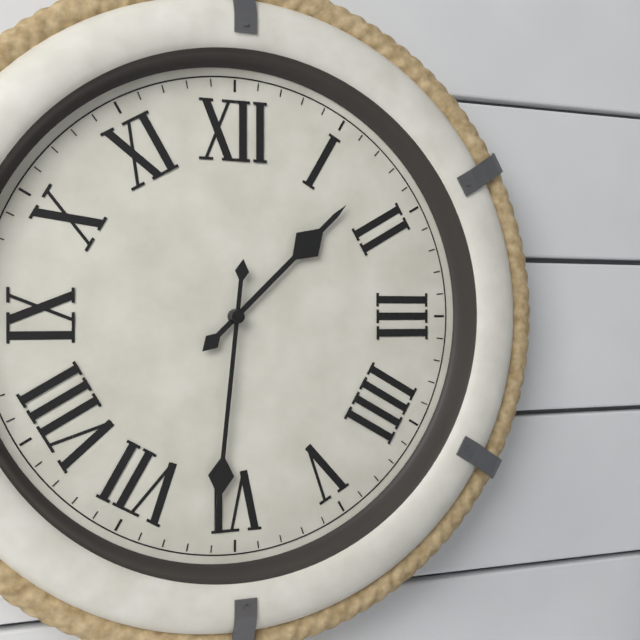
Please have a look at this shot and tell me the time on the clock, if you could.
1:31
